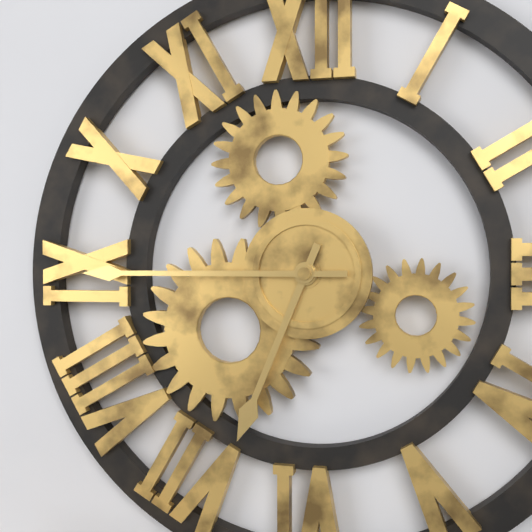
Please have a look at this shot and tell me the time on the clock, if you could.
6:45
